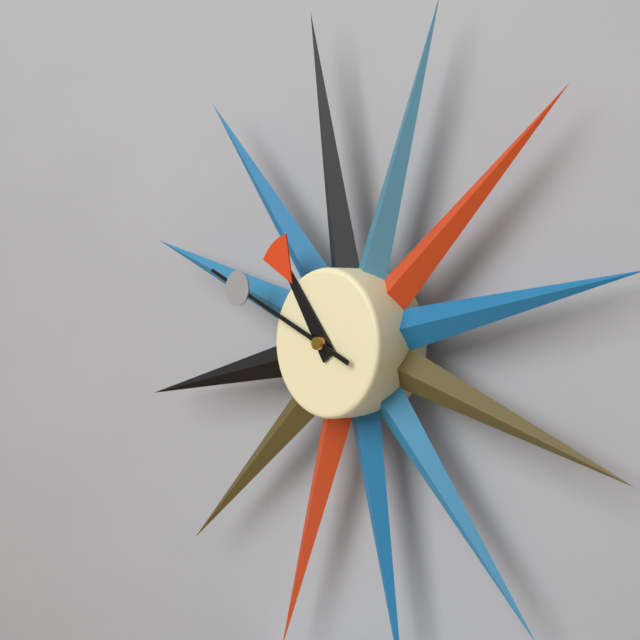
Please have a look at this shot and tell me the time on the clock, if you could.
10:49
